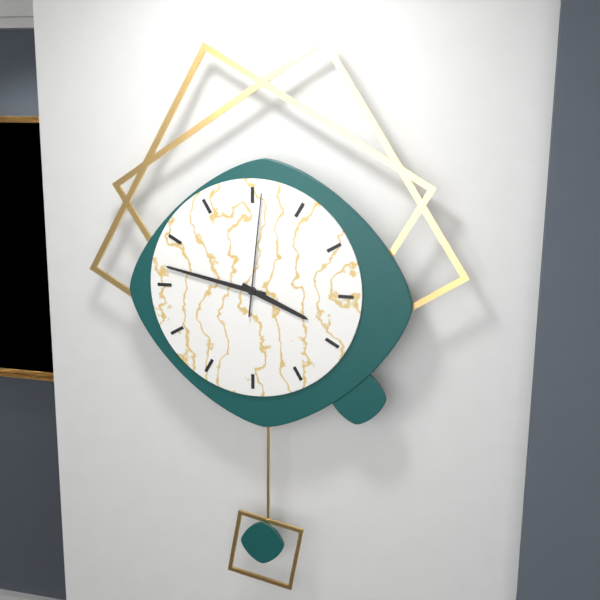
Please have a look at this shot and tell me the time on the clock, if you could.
3:47:01
